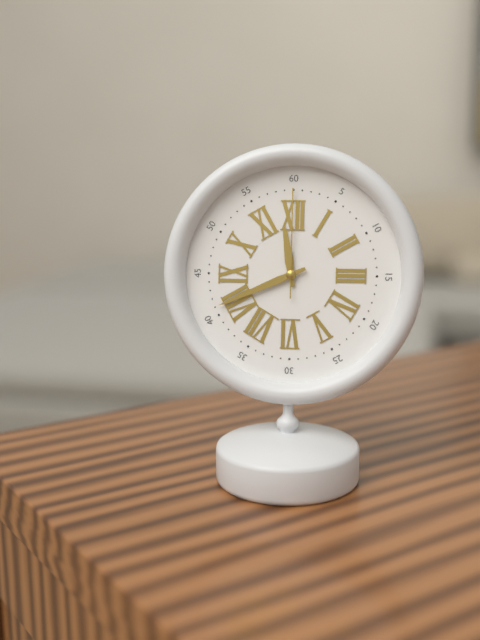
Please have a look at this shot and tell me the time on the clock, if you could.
11:41:00
